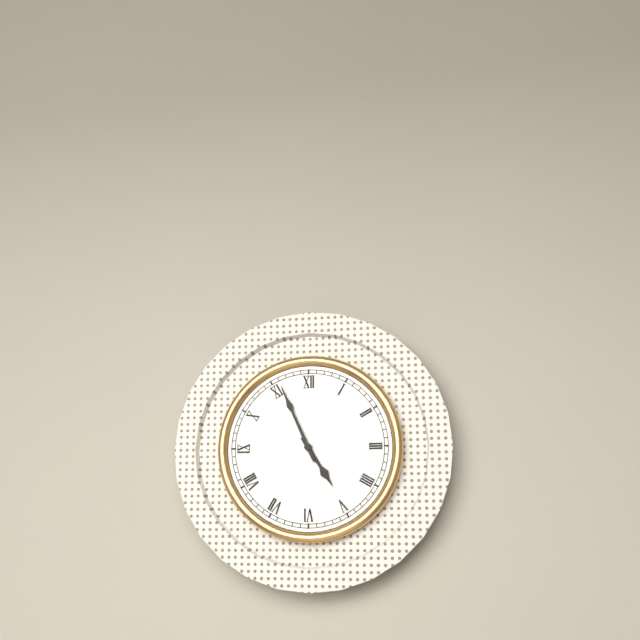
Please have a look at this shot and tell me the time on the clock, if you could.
4:56
